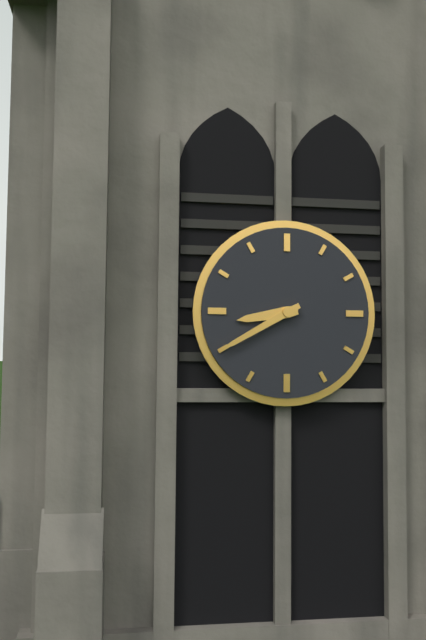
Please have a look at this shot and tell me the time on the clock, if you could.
8:40
